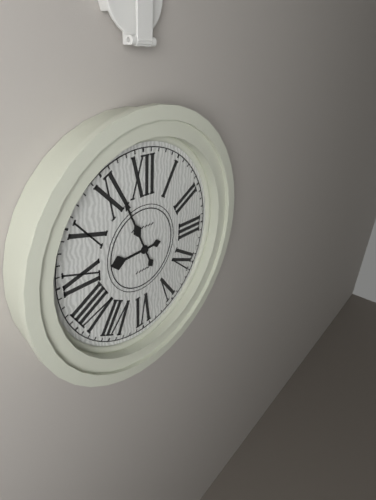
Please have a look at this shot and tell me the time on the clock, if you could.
8:56
